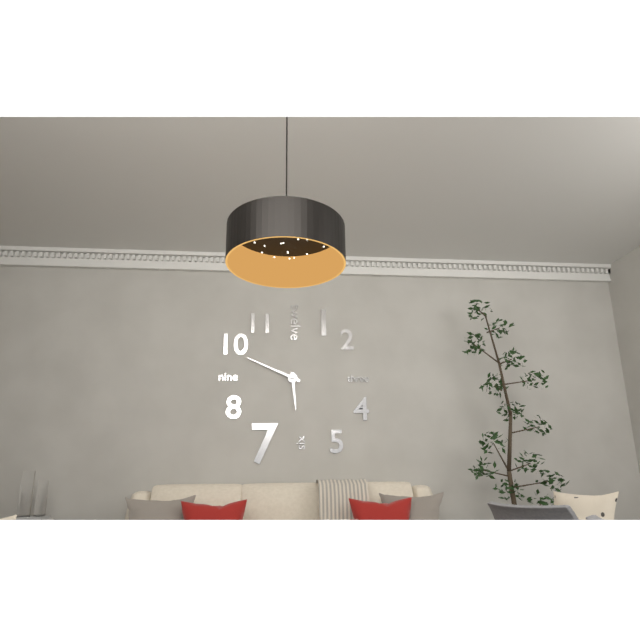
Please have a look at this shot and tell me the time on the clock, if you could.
5:49
